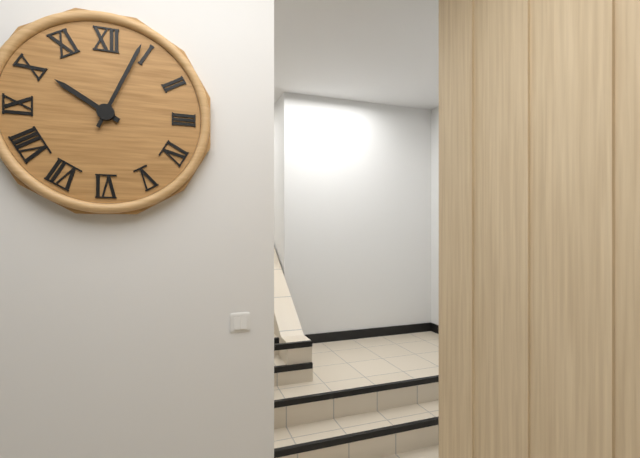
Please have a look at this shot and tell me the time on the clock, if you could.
10:04
